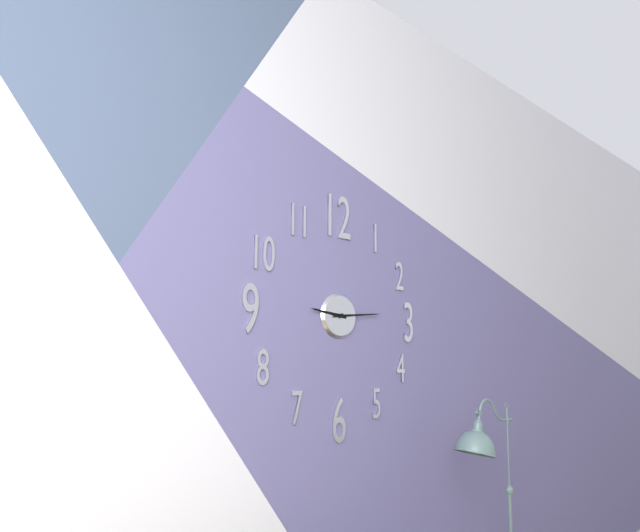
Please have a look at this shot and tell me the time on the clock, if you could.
9:14
